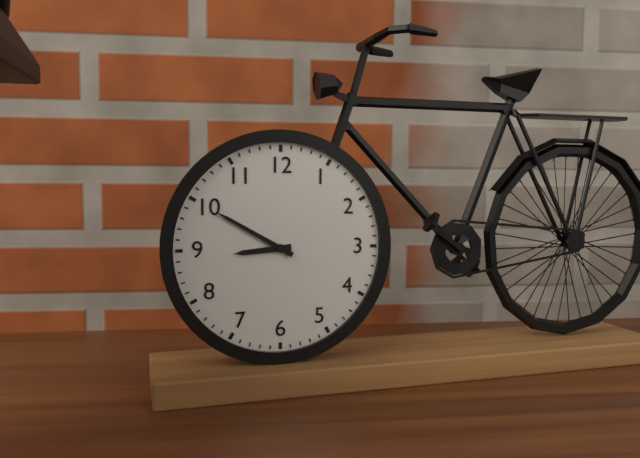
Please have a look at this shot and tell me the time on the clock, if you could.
8:50
